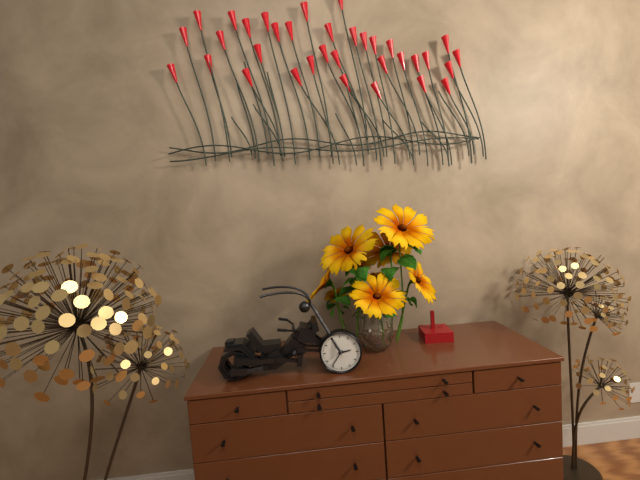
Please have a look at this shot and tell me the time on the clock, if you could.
2:36
